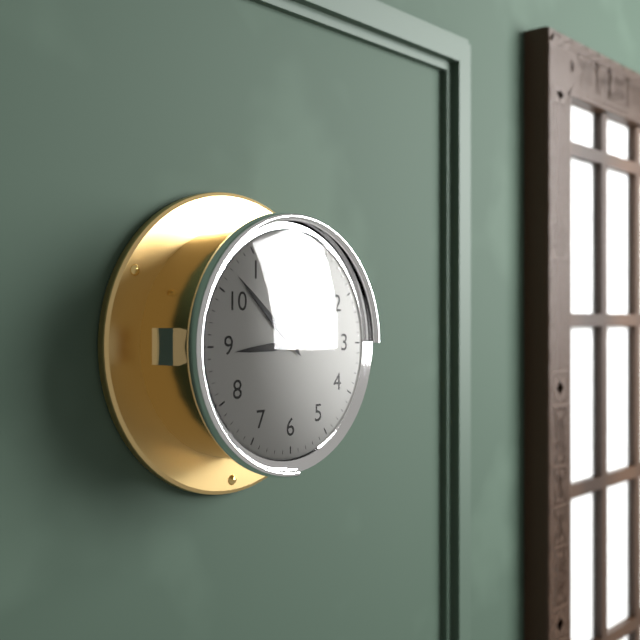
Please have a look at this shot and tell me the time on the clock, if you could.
8:52
